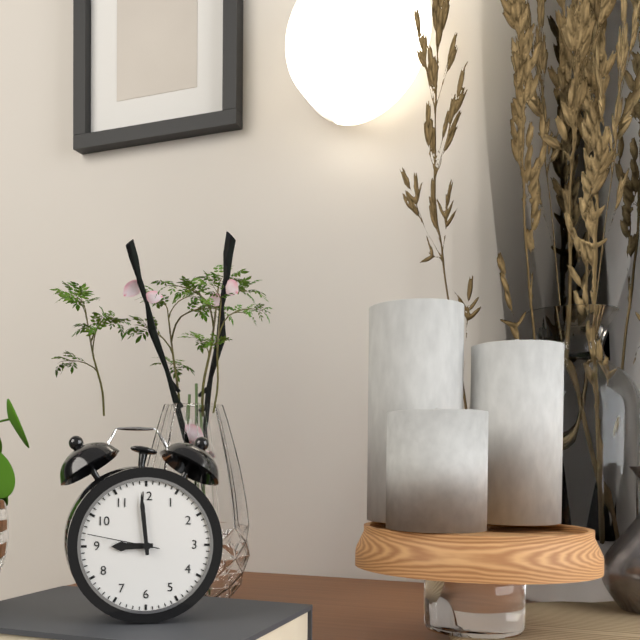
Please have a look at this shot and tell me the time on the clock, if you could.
8:59:47
